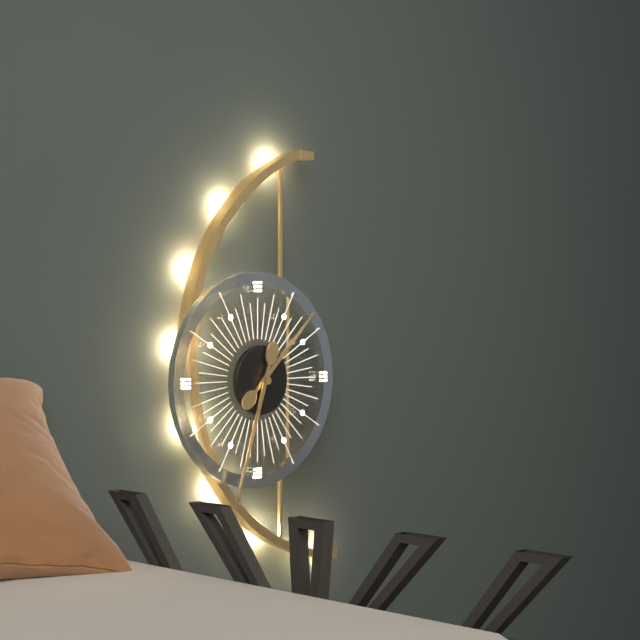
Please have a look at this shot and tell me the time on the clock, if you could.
1:33
